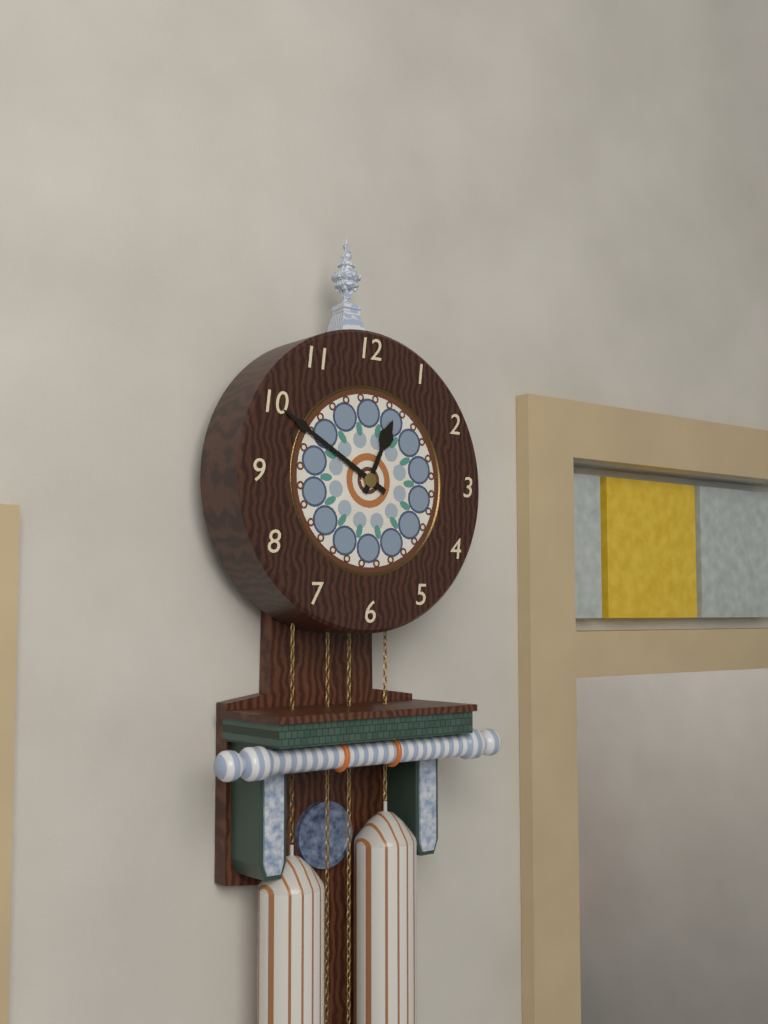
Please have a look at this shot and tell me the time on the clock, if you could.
12:50
